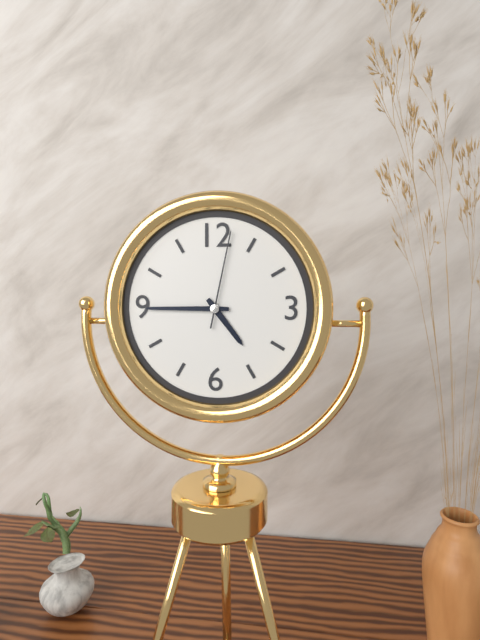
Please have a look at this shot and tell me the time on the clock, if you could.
4:45:02
